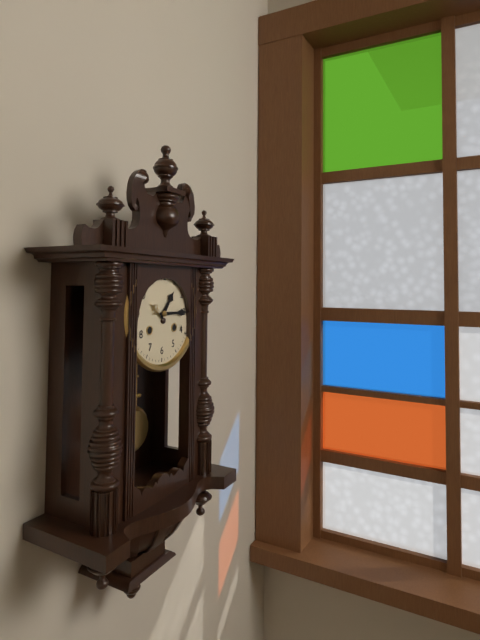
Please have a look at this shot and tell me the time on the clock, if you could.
1:15
